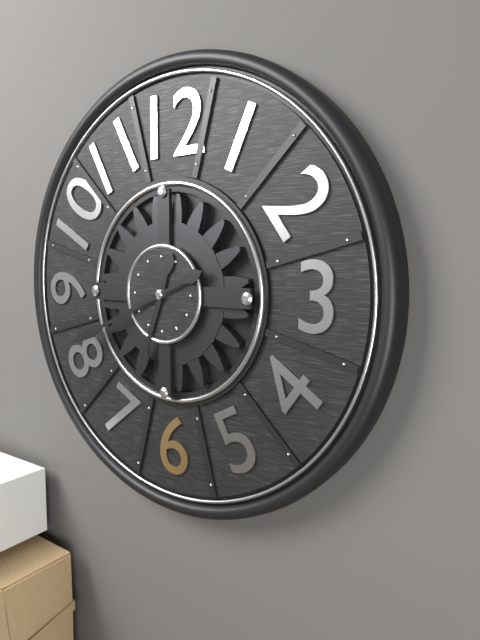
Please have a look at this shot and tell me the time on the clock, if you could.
6:41
